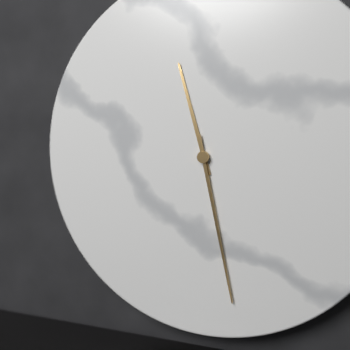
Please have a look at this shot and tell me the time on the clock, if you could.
11:28
